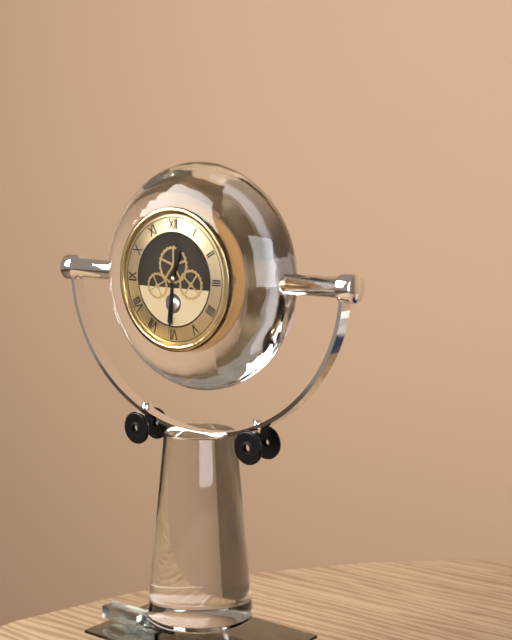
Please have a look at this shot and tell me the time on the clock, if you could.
12:31
